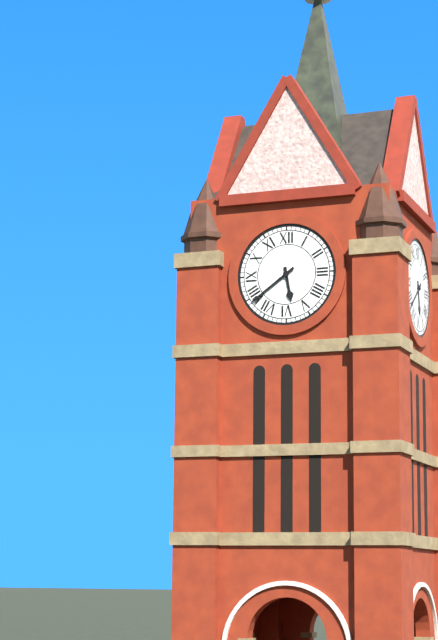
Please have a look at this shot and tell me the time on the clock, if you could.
5:39
